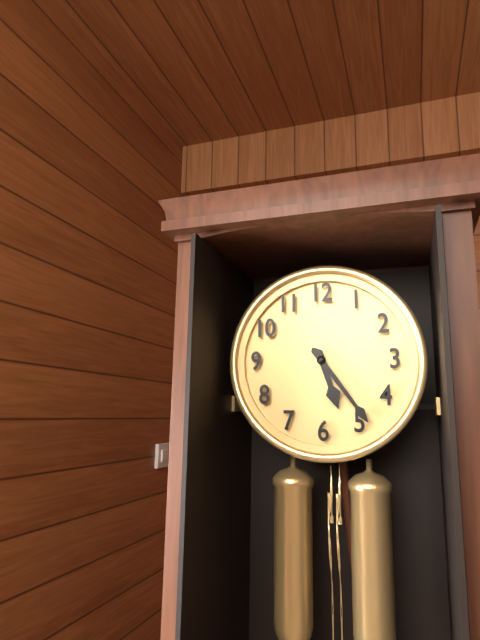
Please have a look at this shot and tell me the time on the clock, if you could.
5:24
